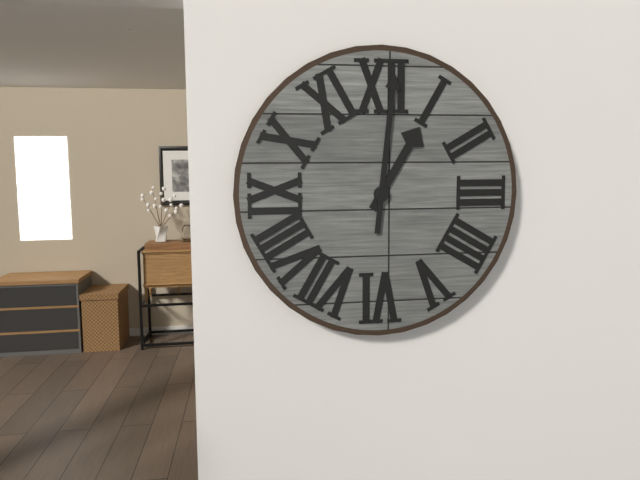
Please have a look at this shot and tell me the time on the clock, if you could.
1:01
